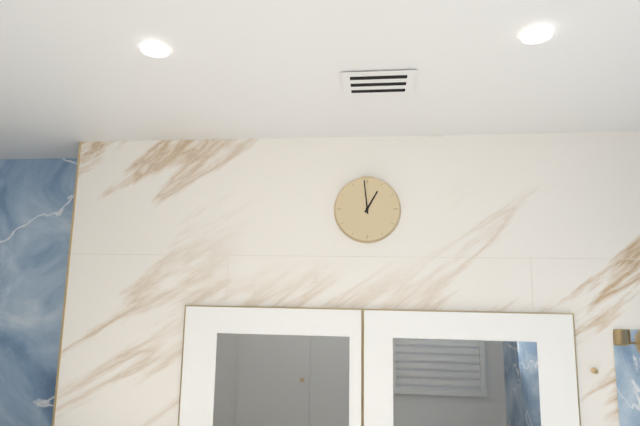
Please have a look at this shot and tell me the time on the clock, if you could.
12:59
